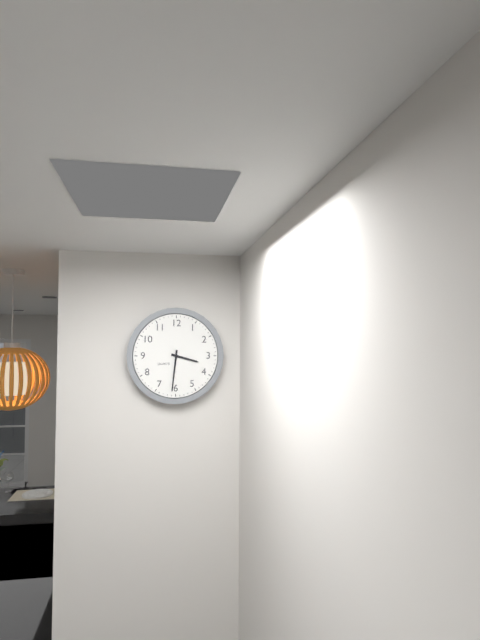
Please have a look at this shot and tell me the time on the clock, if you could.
3:31
